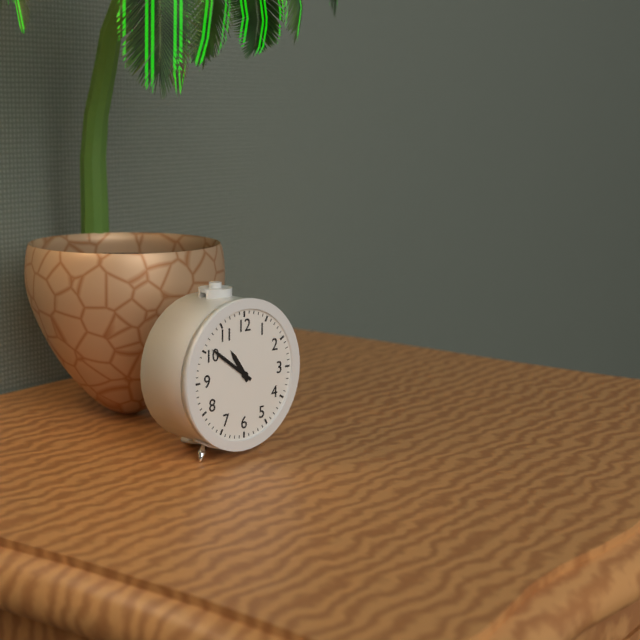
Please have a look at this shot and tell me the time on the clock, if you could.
10:51
